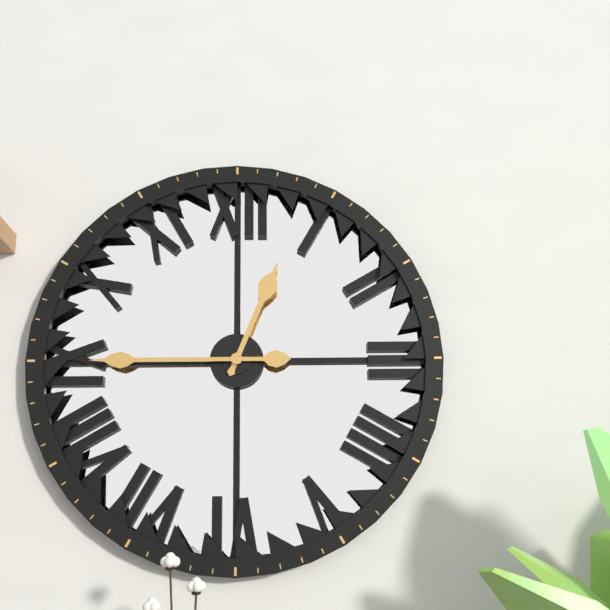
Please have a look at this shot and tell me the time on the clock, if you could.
12:45
